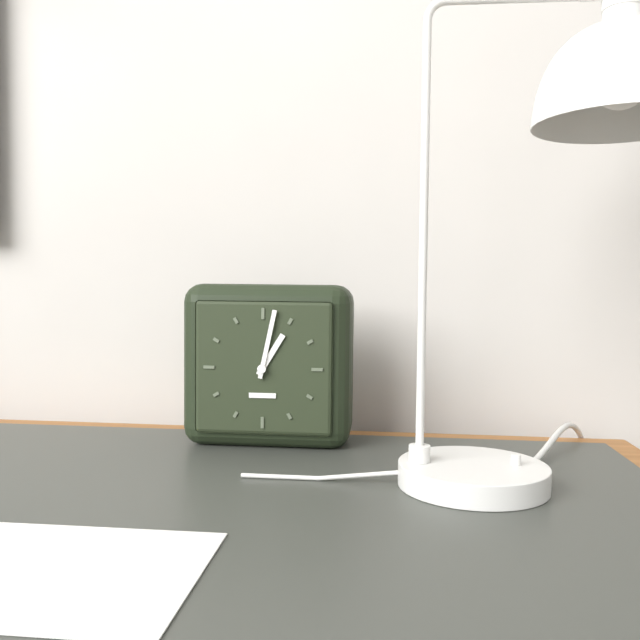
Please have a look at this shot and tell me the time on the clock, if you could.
1:02
